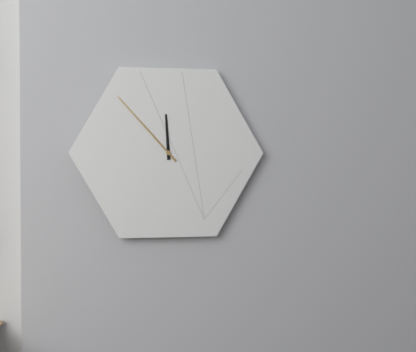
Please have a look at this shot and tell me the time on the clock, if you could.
11:53
